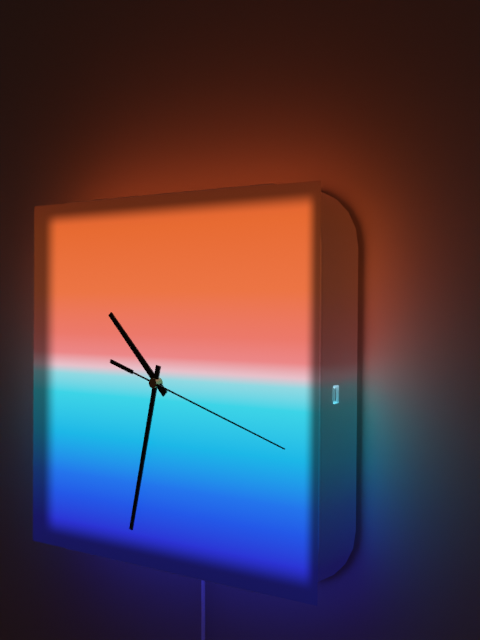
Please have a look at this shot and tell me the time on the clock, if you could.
10:32:18
